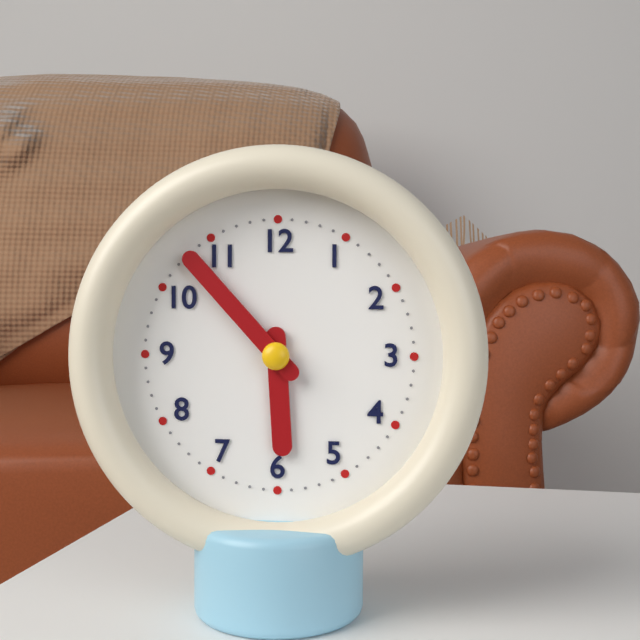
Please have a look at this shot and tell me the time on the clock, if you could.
5:53
